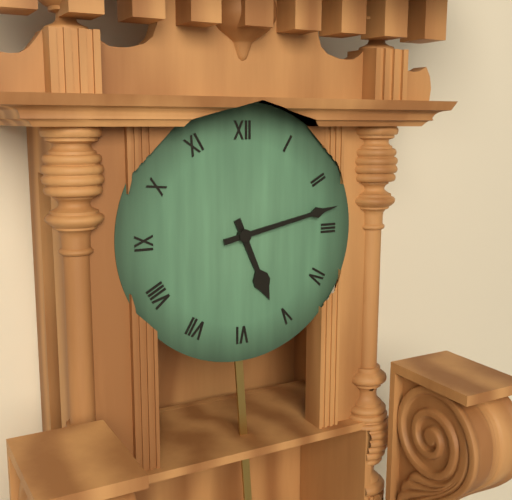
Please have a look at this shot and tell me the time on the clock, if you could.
5:13
